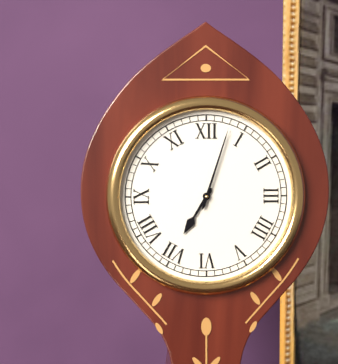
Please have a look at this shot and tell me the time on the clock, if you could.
7:03
